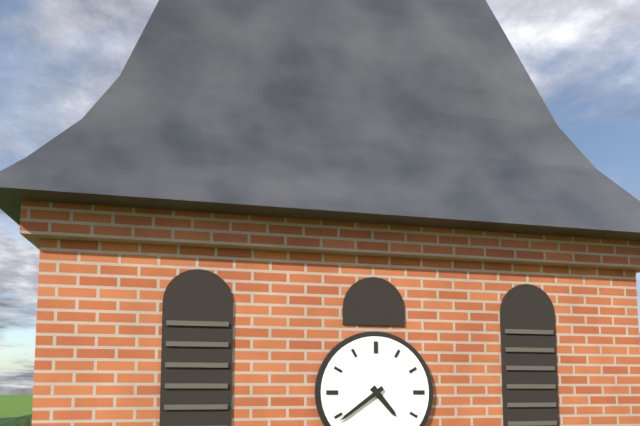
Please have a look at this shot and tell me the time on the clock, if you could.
4:39
